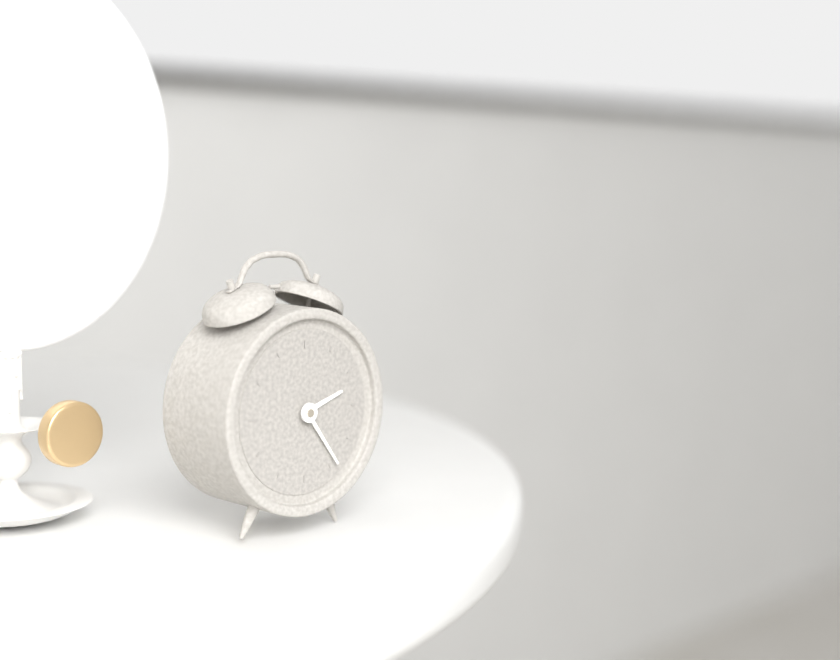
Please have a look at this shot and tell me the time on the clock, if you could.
2:24
